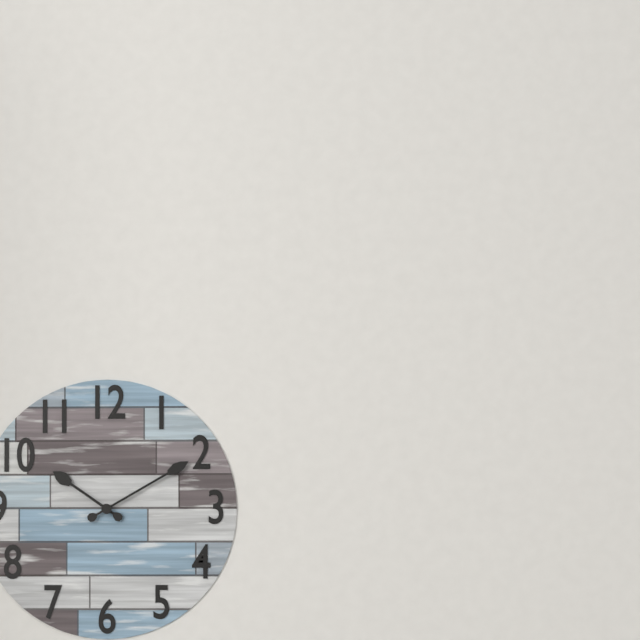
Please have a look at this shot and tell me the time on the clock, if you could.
10:10
